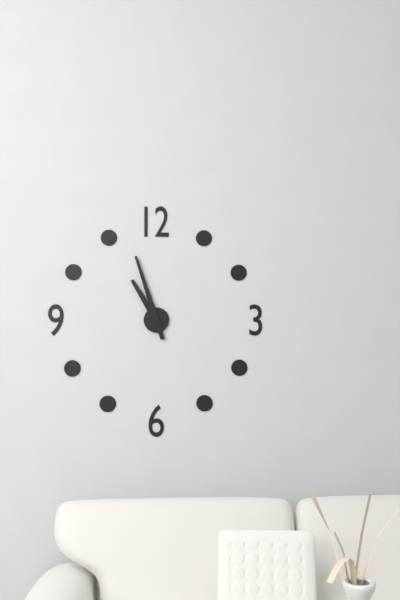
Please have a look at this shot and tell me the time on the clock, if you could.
10:57
